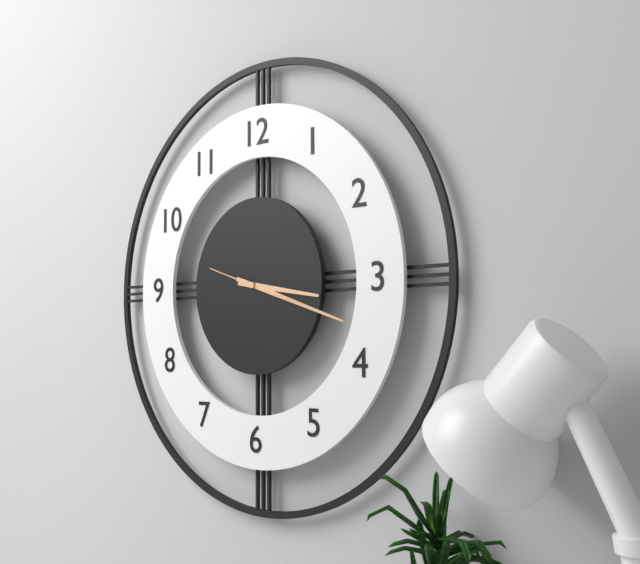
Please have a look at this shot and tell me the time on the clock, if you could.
3:18:48
